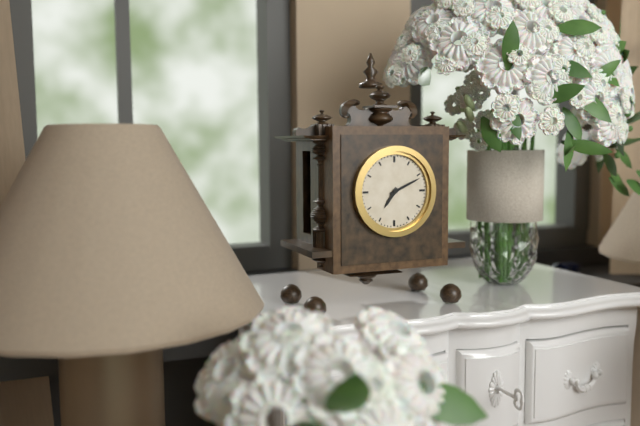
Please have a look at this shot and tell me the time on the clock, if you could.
7:11
